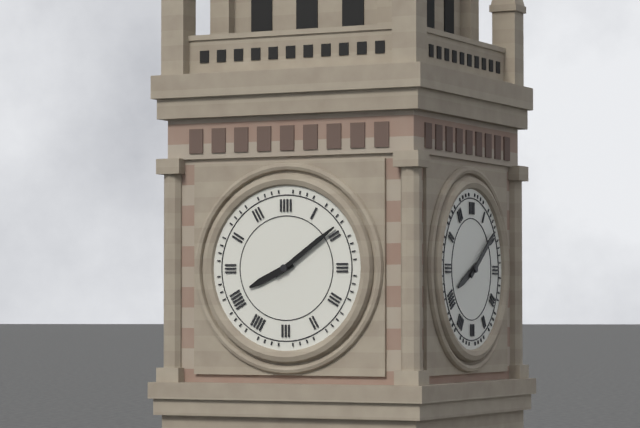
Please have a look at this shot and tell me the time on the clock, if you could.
8:09
